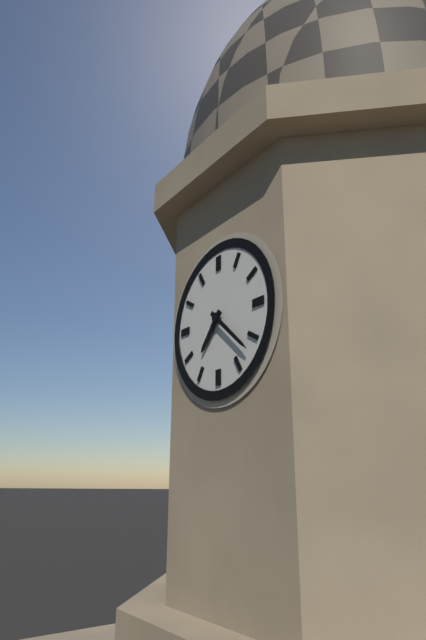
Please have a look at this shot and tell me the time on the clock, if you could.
7:22
